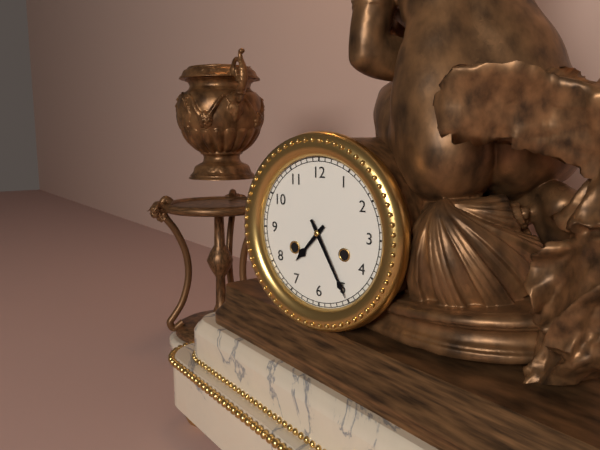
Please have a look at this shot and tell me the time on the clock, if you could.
7:25
